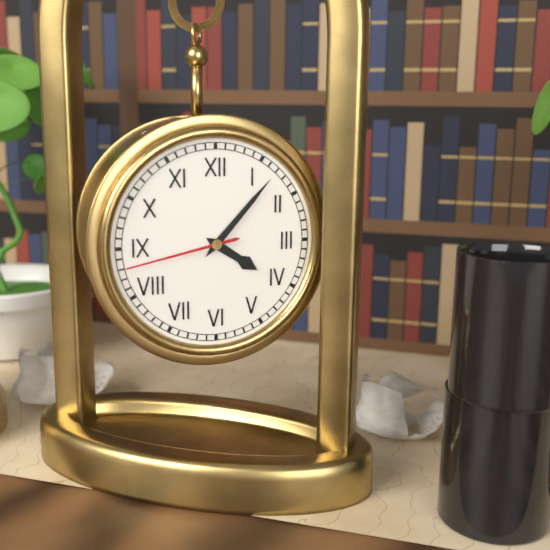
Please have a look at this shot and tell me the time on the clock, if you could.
4:07:43
